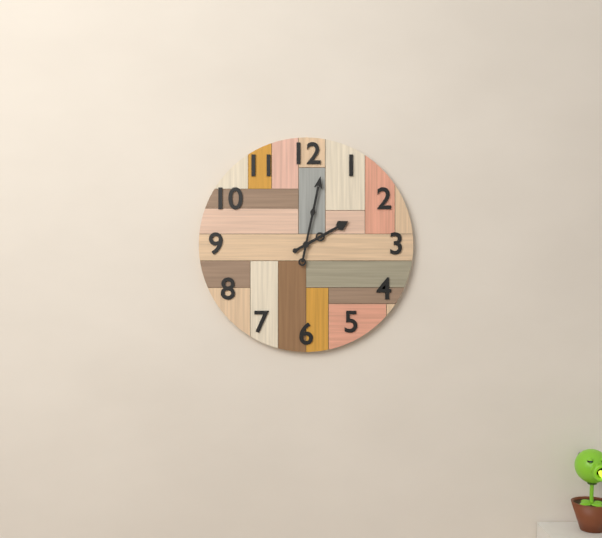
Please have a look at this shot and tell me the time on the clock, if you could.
2:02
